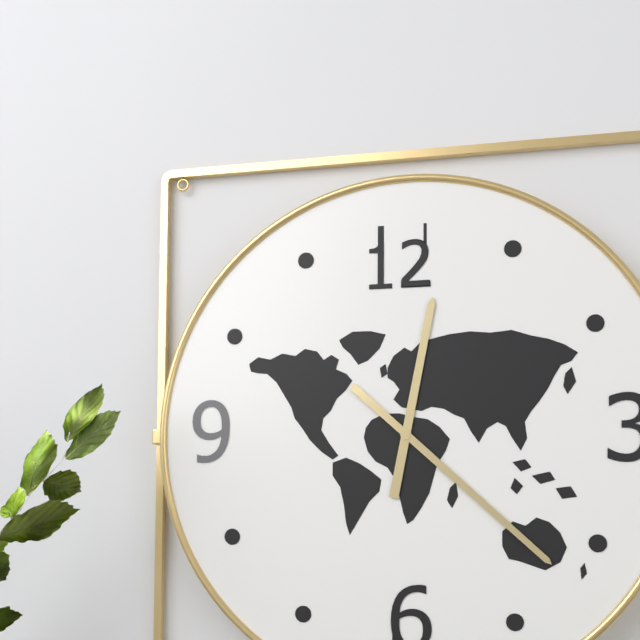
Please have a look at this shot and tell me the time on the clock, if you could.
12:22
